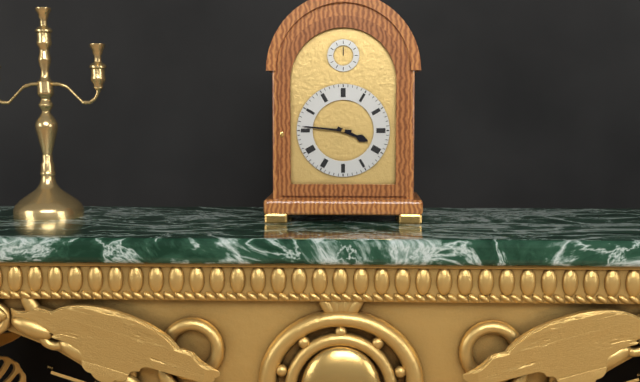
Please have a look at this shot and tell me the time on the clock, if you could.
3:46
